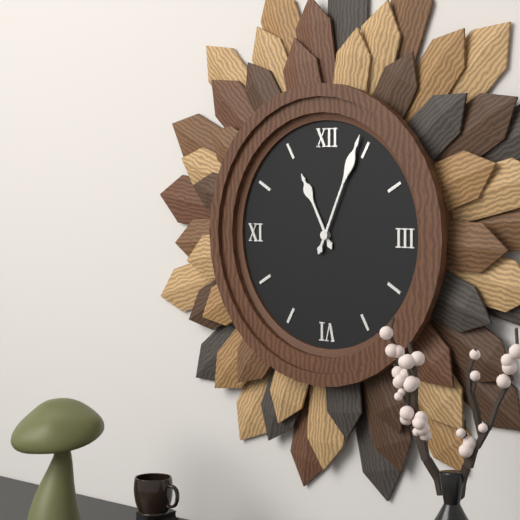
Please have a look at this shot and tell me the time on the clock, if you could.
11:04
